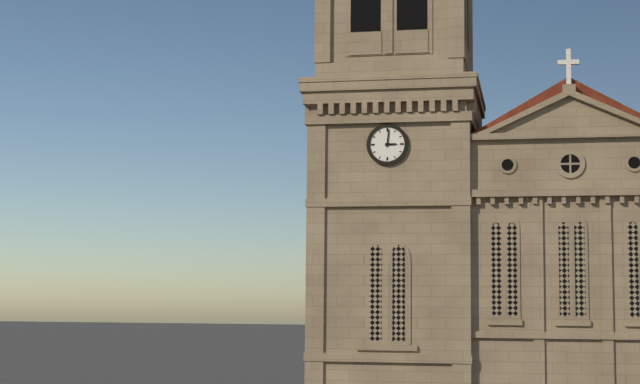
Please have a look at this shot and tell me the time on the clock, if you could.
3:01
